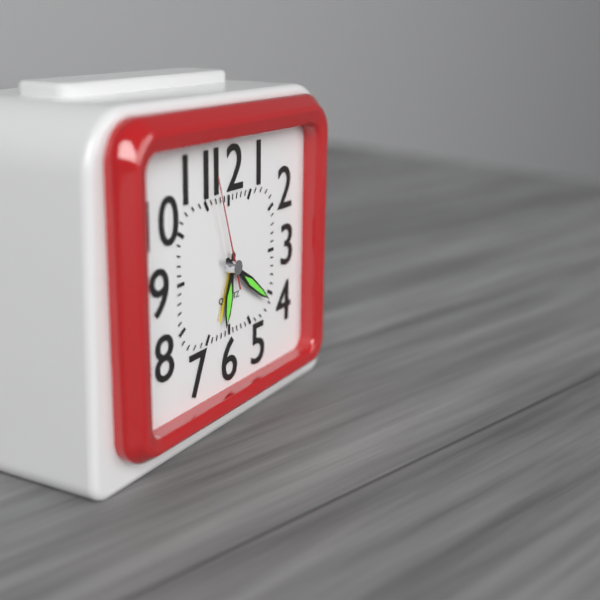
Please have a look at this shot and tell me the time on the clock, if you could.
6:21:57
